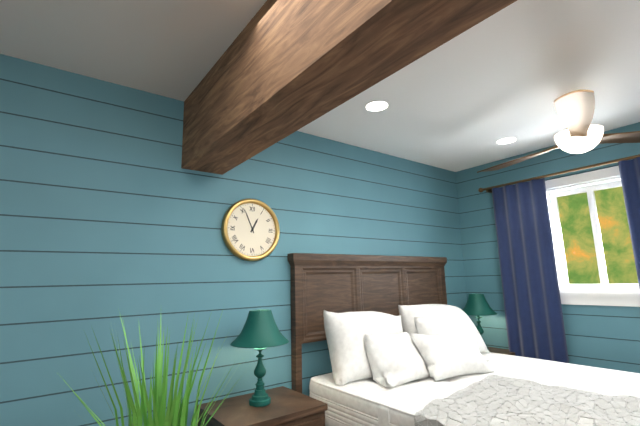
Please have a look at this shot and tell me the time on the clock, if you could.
12:56
